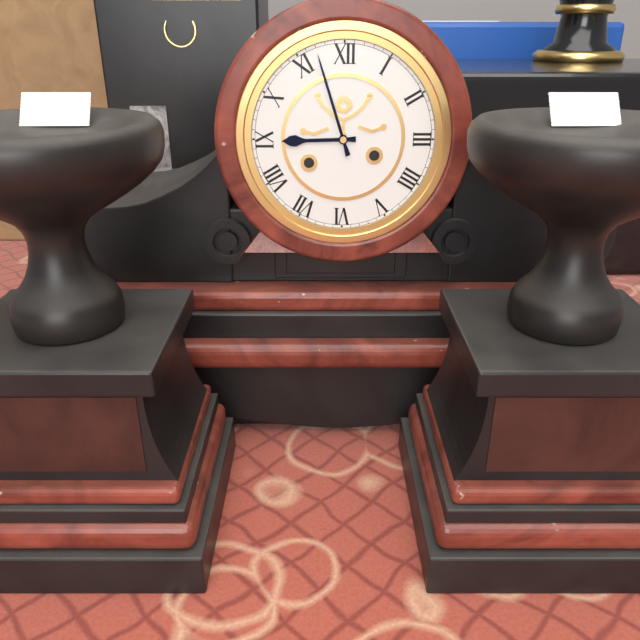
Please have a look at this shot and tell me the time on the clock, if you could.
8:57
